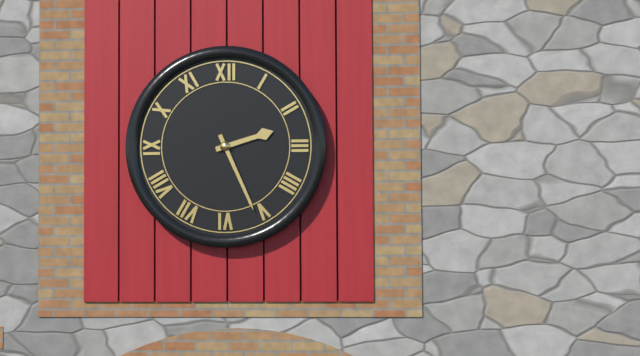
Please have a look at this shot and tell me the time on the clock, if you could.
2:26
